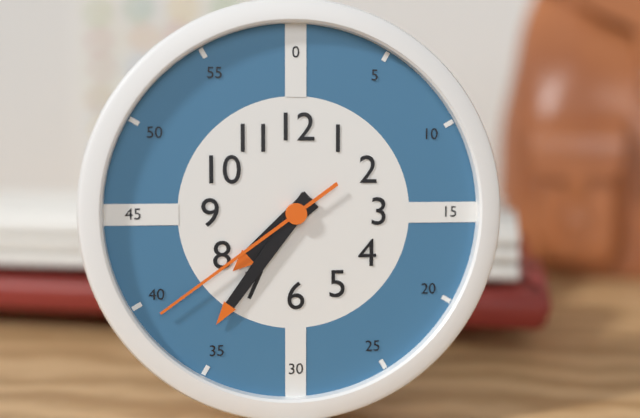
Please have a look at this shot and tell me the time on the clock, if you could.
7:36:39
